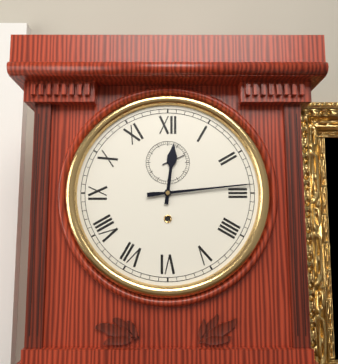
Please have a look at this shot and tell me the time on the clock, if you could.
12:14
